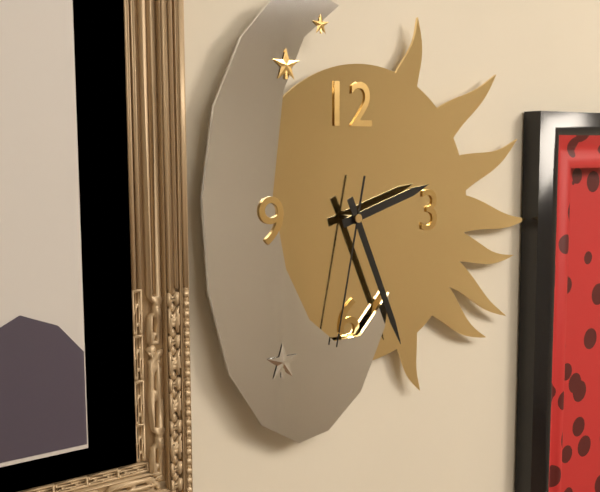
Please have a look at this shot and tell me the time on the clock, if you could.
2:26:32
